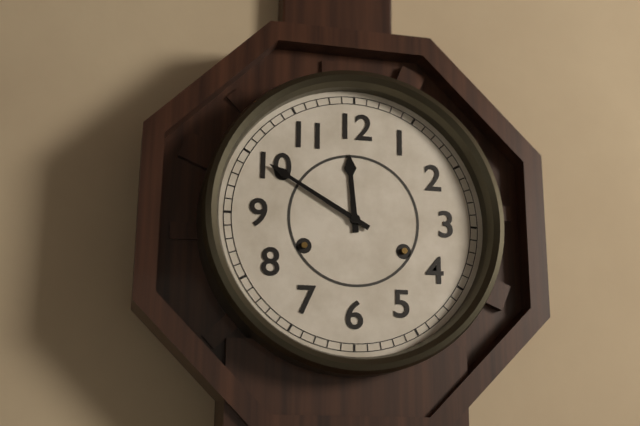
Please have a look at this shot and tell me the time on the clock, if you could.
11:50
